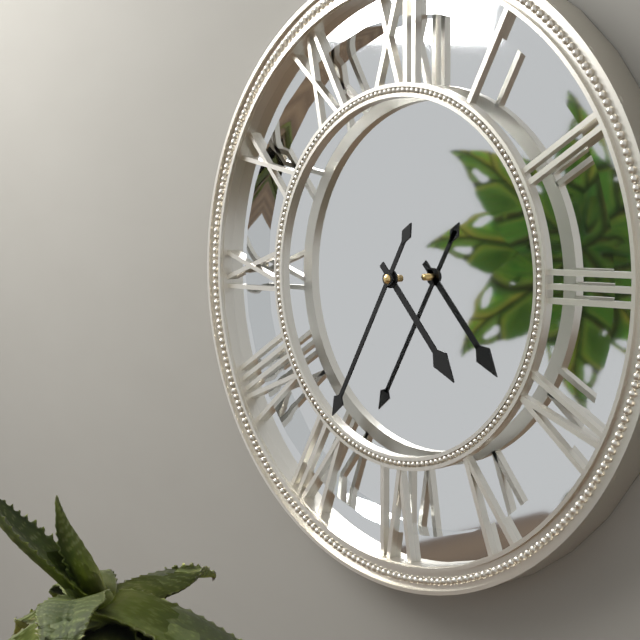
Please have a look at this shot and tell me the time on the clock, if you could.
4:35
